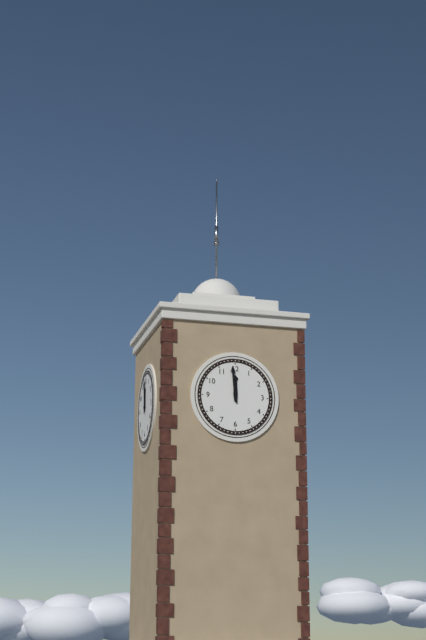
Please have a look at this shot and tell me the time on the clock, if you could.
11:59
